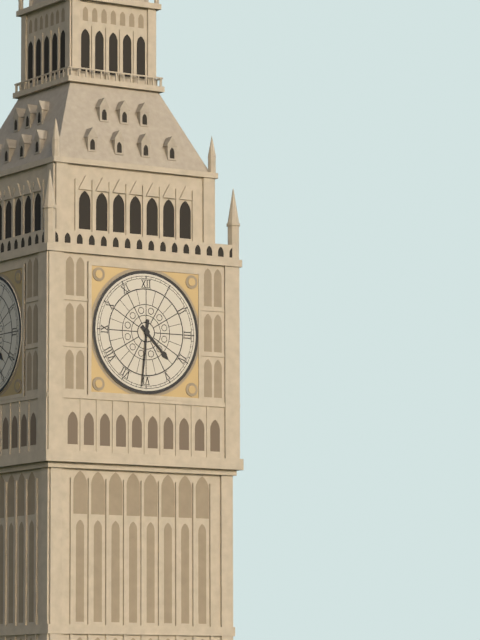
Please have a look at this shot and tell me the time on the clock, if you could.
4:31
